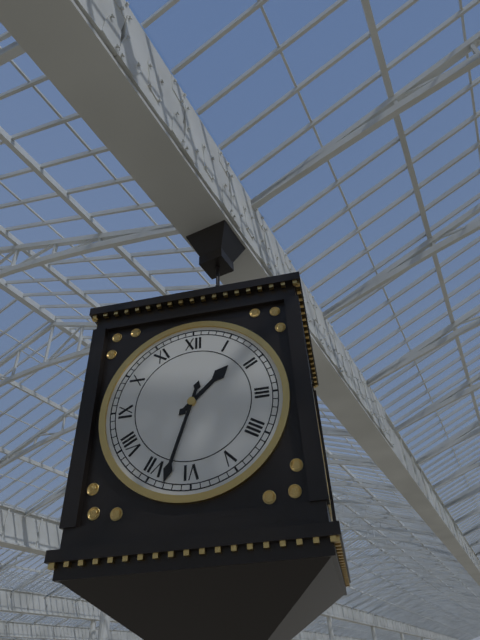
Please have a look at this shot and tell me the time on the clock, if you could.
1:33
